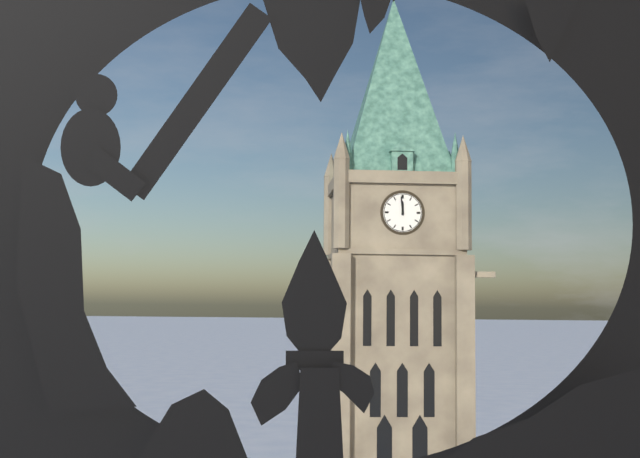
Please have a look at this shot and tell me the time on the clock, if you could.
11:59
